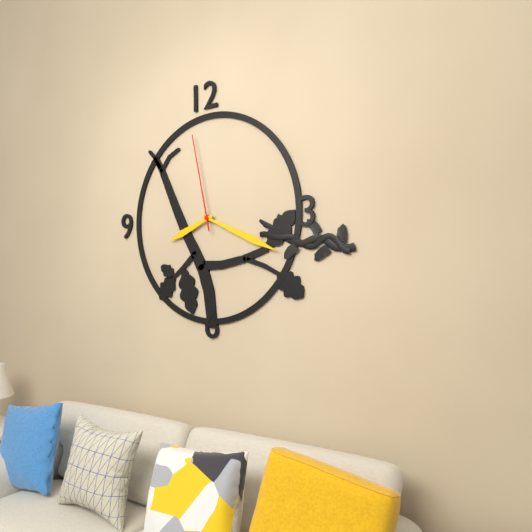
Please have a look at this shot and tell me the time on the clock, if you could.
8:19:58
